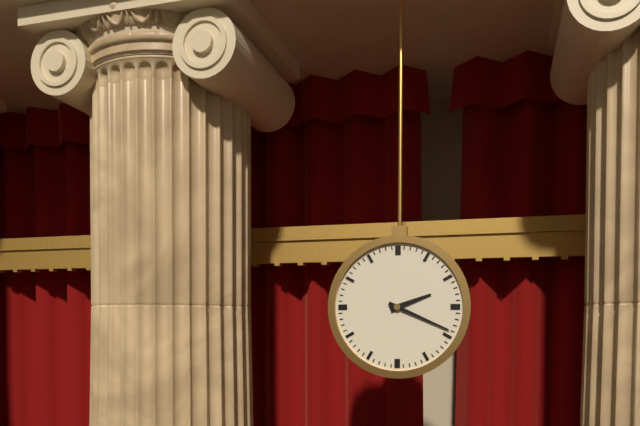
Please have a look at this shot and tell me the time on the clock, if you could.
2:19
